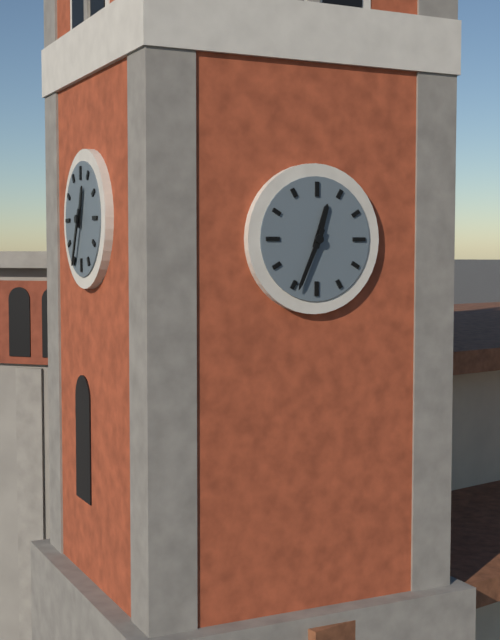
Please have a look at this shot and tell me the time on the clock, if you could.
12:34
